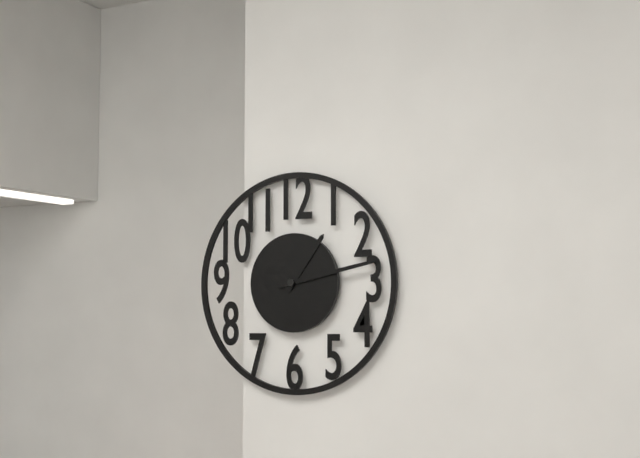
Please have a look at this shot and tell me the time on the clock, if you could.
1:13
